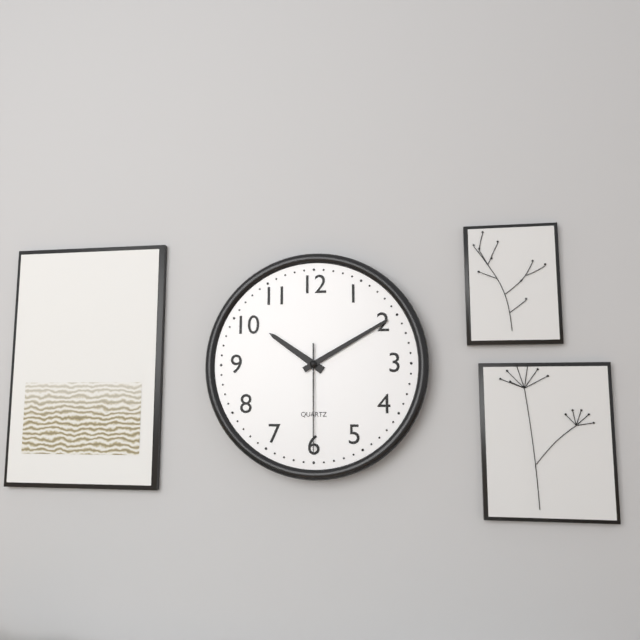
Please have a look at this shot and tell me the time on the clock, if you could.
10:10:30
